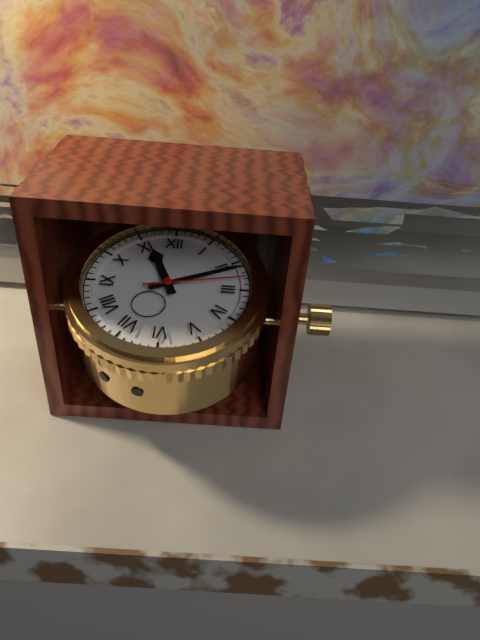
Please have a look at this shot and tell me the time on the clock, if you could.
11:11:13
